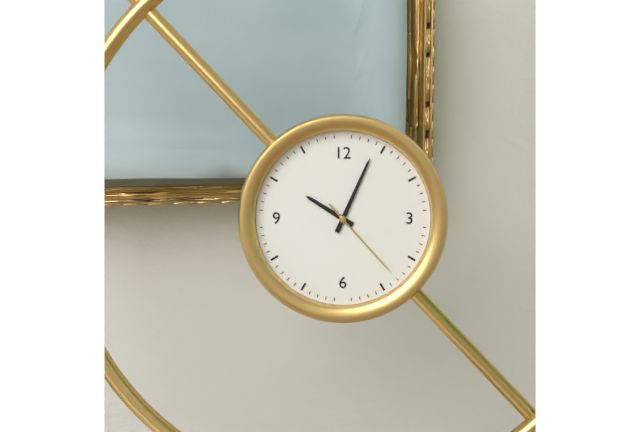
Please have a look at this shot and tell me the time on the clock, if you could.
10:04:23
